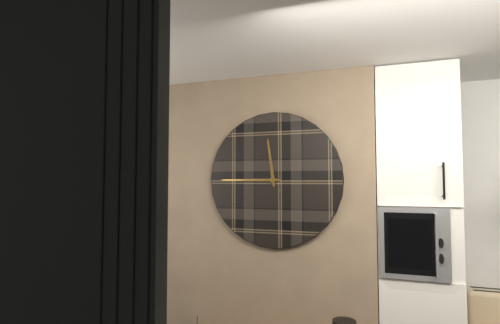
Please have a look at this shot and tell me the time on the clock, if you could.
11:45
